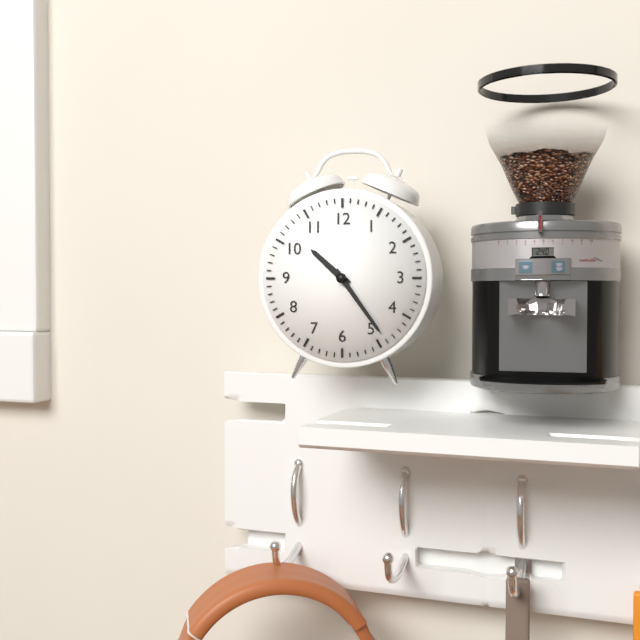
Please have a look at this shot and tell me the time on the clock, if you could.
10:24
